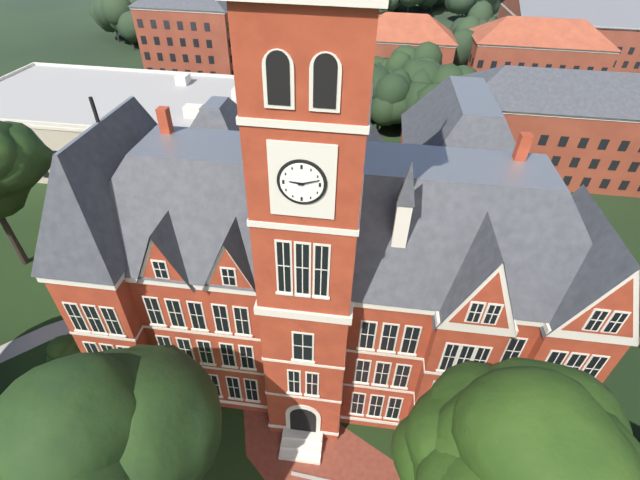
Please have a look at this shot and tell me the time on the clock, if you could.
9:12
